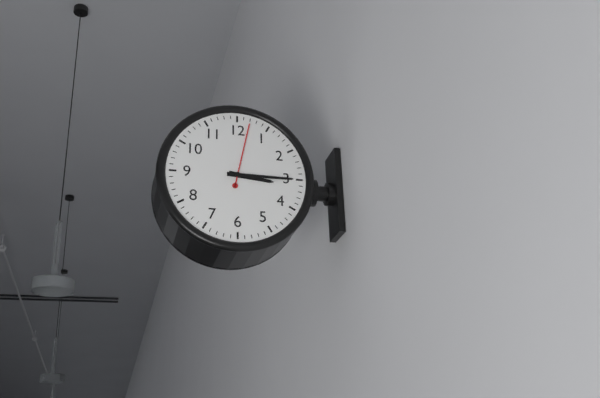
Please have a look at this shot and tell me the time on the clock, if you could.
3:15:02
